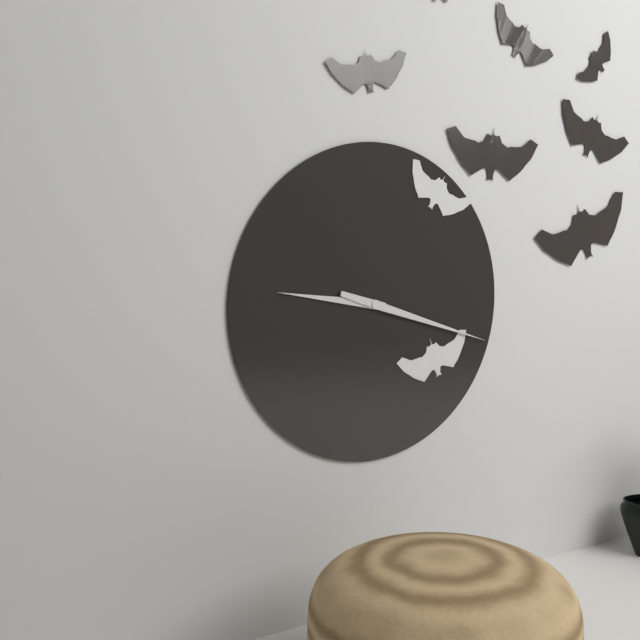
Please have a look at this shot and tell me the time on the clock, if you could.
9:18
